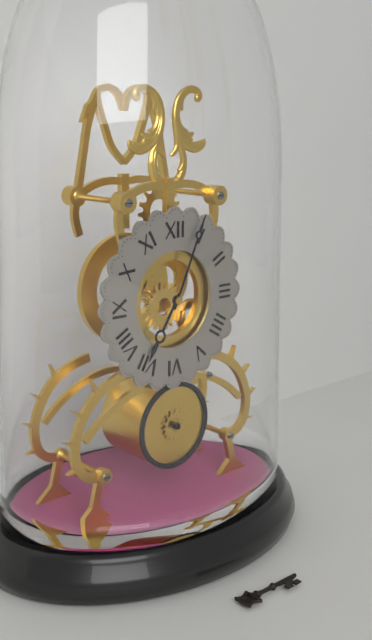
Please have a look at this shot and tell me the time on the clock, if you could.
7:04
